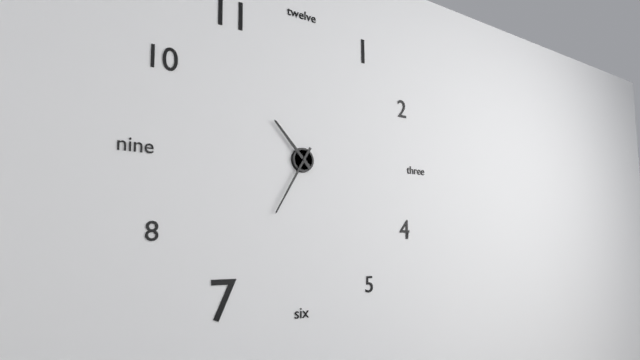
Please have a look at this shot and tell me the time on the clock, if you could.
10:35
